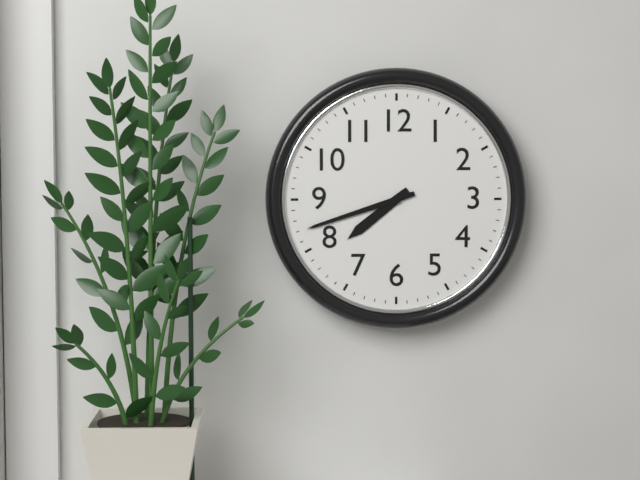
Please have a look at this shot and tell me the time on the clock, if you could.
7:42
